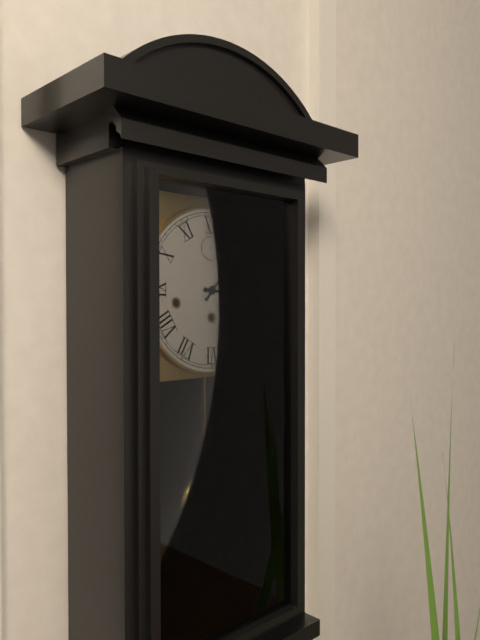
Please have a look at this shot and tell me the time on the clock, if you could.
3:07
